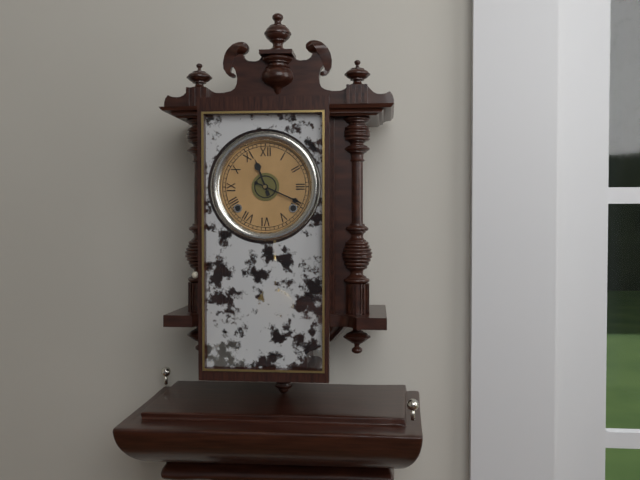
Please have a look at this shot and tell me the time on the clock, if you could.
11:19
